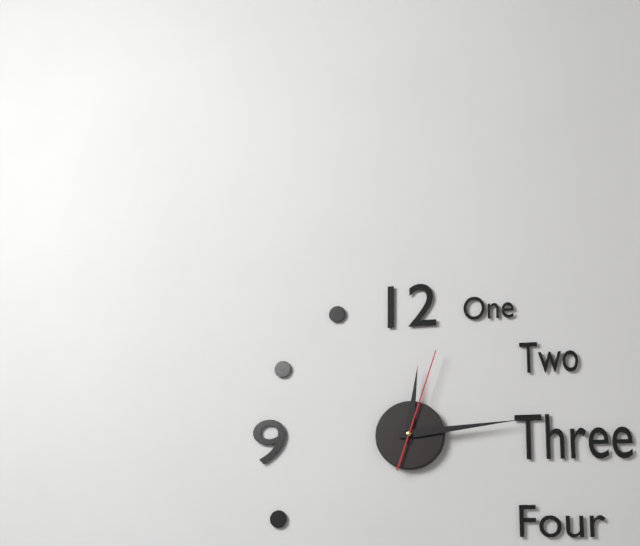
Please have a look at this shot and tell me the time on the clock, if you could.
12:14:03
